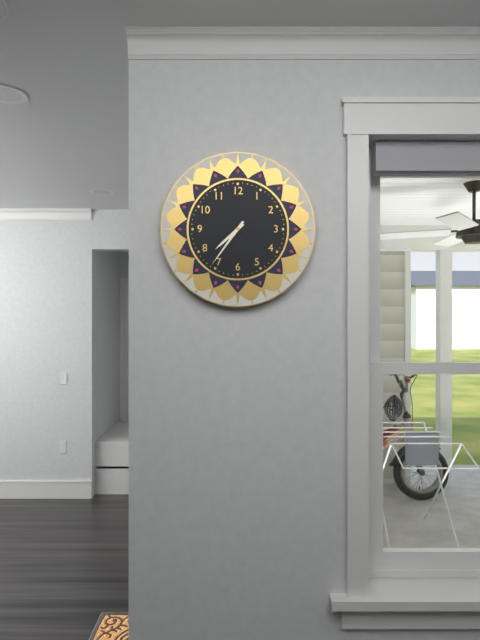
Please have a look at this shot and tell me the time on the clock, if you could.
7:36
